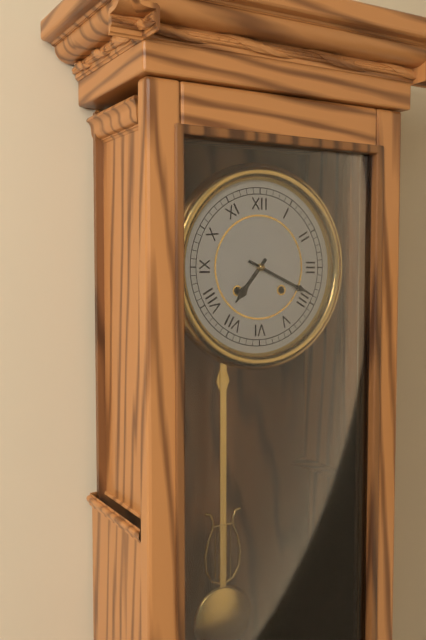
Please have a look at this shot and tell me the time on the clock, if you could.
7:19
